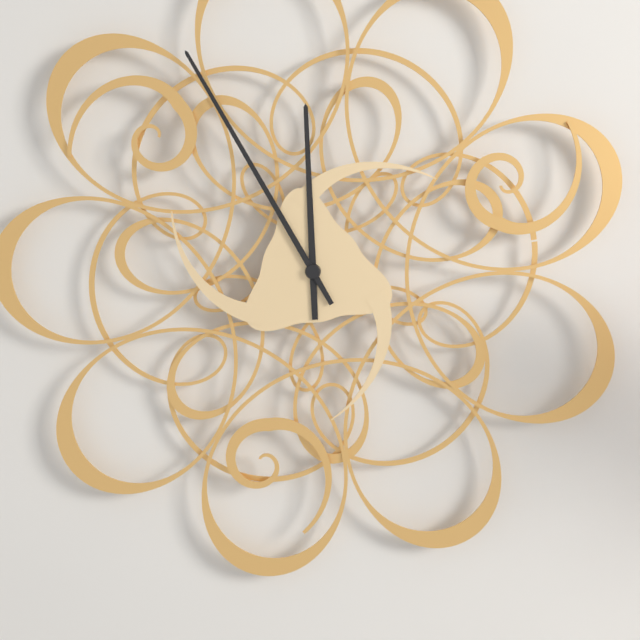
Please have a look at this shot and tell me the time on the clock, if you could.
11:55
